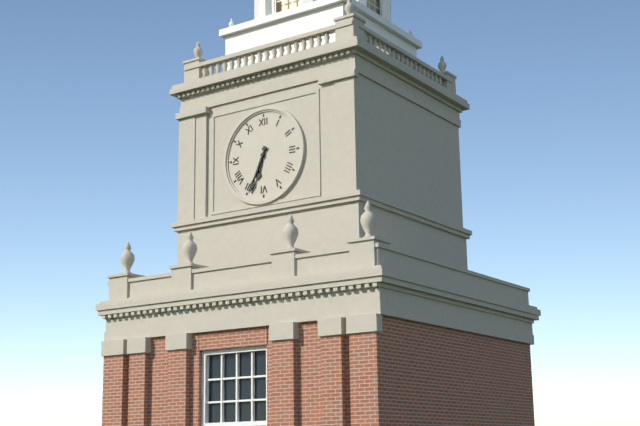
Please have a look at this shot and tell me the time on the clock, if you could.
6:34
